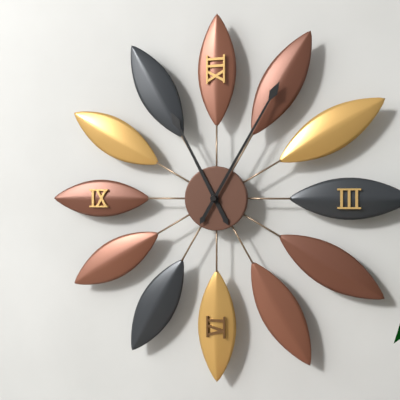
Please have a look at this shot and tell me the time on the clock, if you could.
11:05
